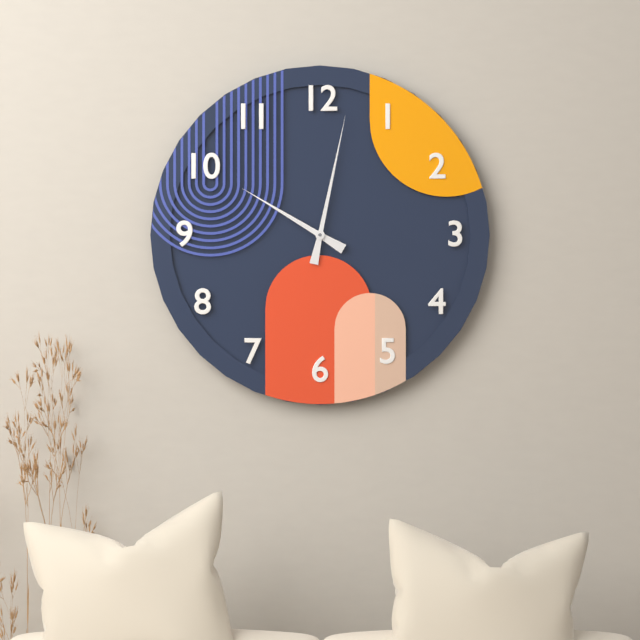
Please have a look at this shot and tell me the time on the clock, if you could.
10:02
